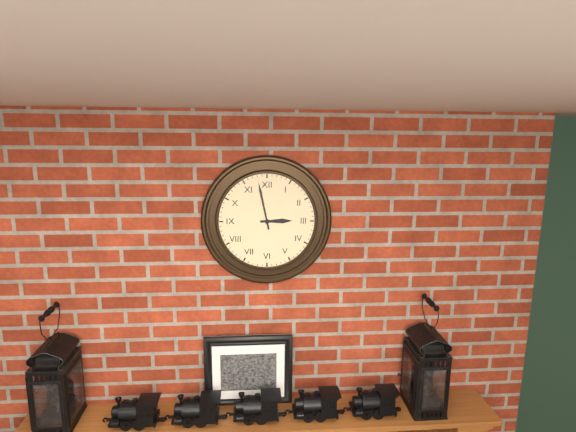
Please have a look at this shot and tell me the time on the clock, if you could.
2:58
